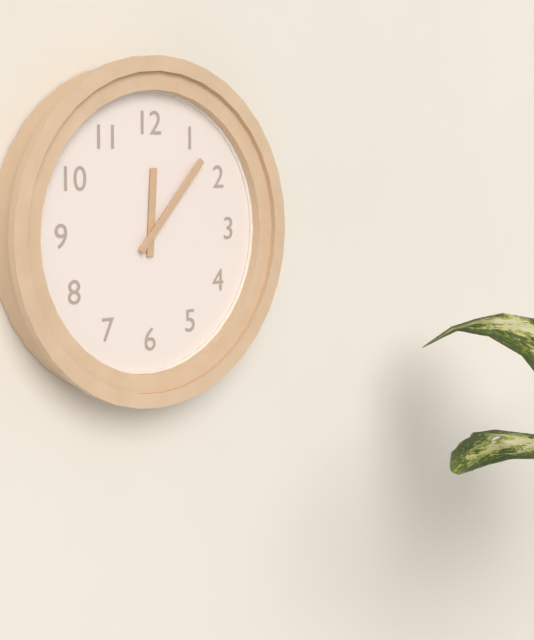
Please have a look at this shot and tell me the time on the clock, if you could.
12:07
